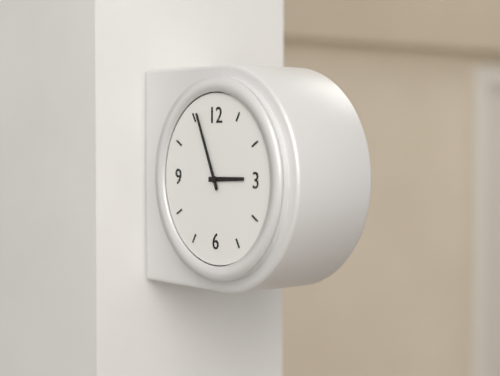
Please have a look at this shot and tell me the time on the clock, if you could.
2:56
